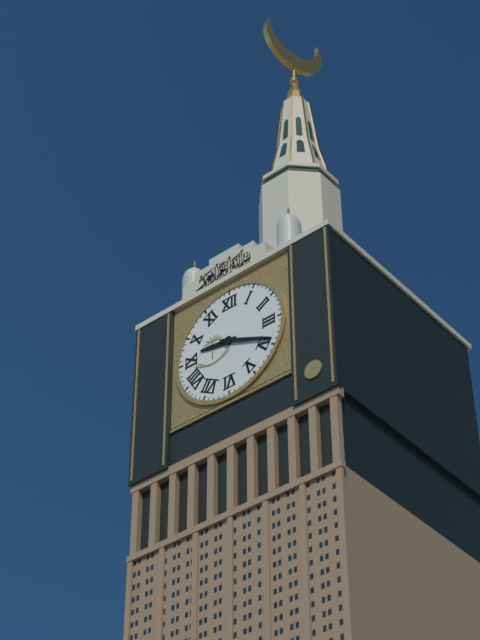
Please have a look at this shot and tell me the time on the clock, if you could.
9:19
